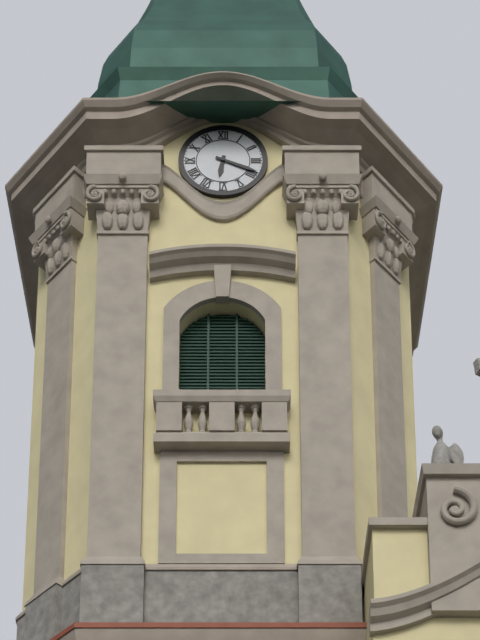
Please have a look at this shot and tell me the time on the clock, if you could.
6:19
